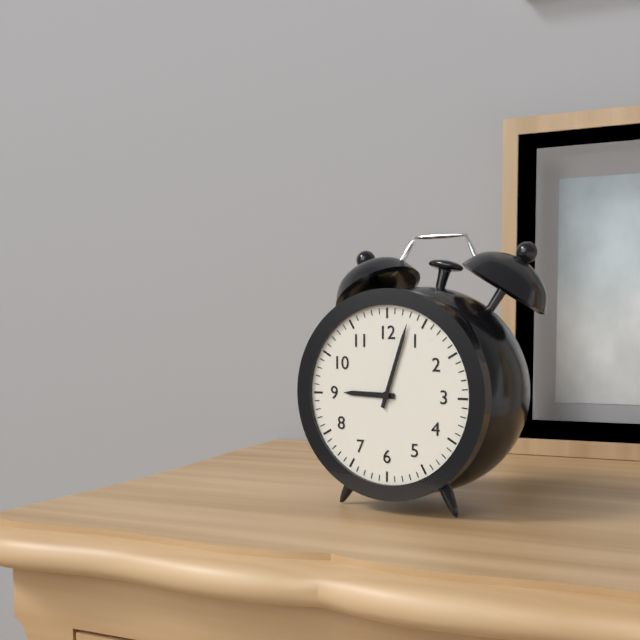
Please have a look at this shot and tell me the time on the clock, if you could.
9:03
